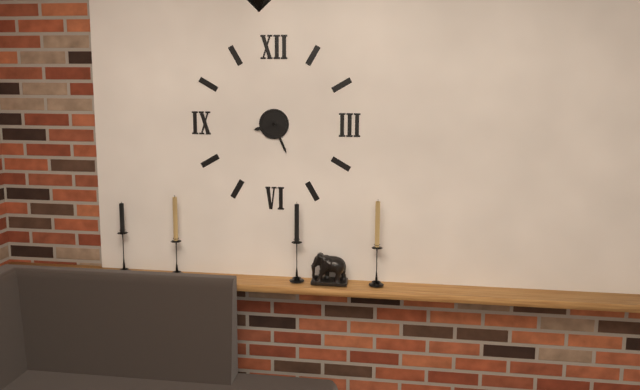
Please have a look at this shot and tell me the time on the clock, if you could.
8:26
